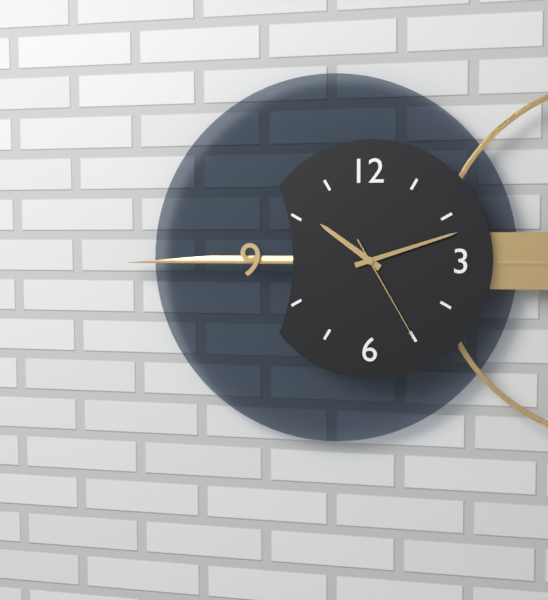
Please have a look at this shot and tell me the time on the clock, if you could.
10:12:25
